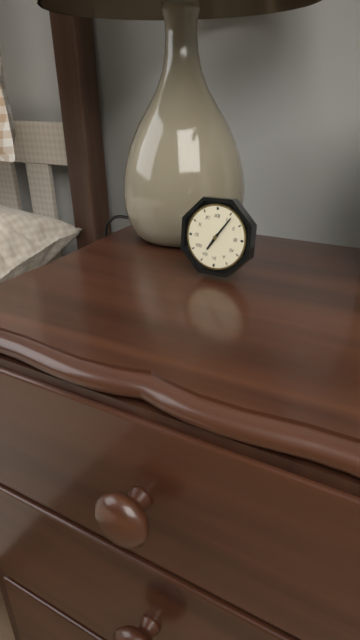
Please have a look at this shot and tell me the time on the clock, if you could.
7:06
